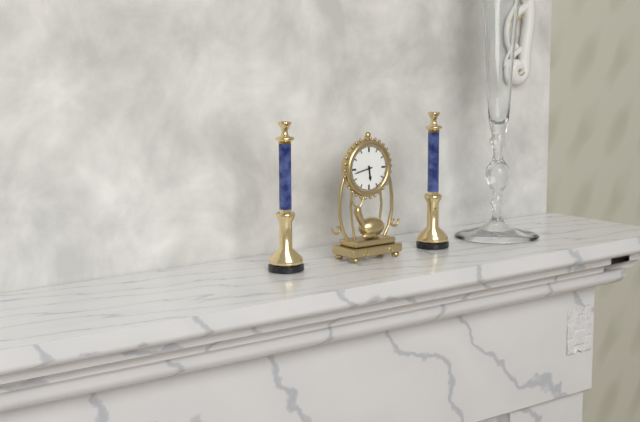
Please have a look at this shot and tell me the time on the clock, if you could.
5:43
